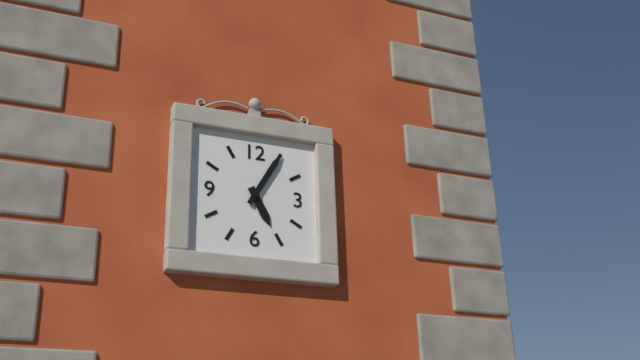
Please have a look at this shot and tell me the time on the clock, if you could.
5:05
